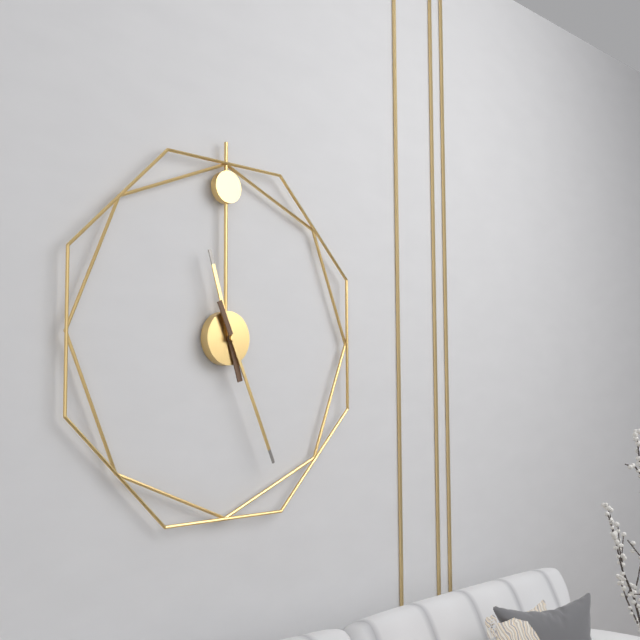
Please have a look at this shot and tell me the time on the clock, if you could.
11:26
